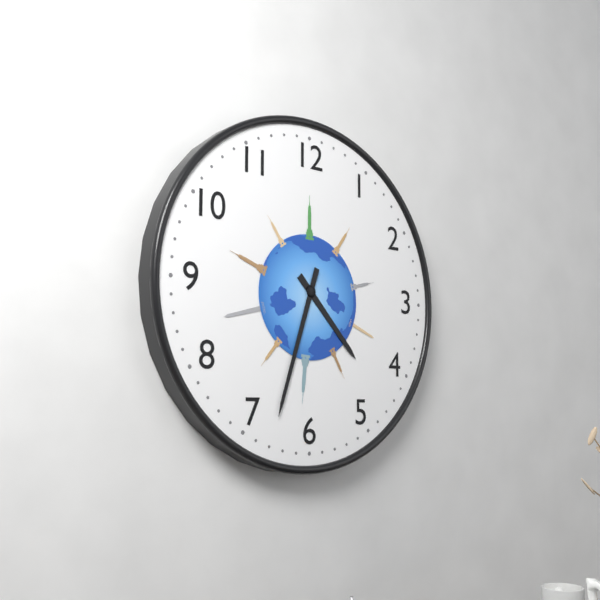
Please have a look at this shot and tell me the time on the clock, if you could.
4:33
